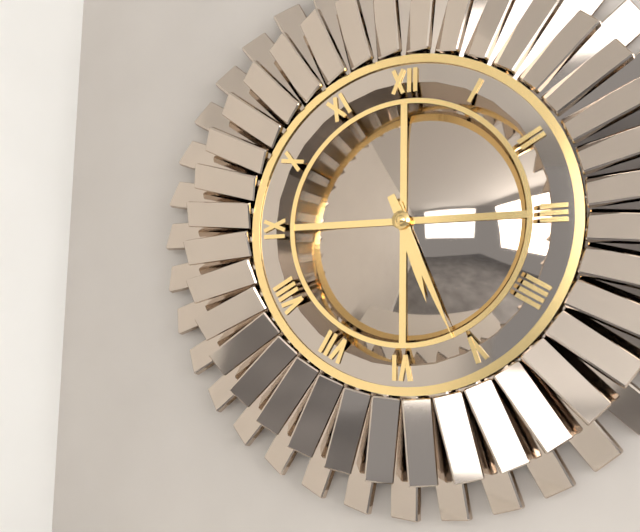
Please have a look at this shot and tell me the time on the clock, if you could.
5:26
